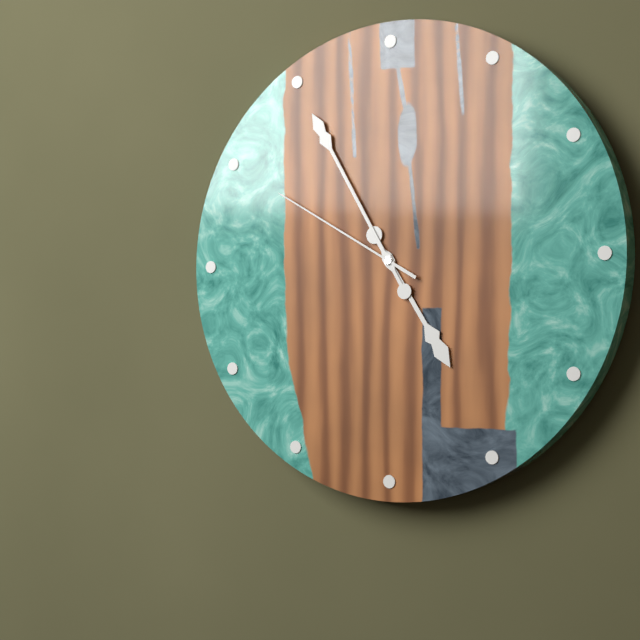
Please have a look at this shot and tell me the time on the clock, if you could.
4:55:50
